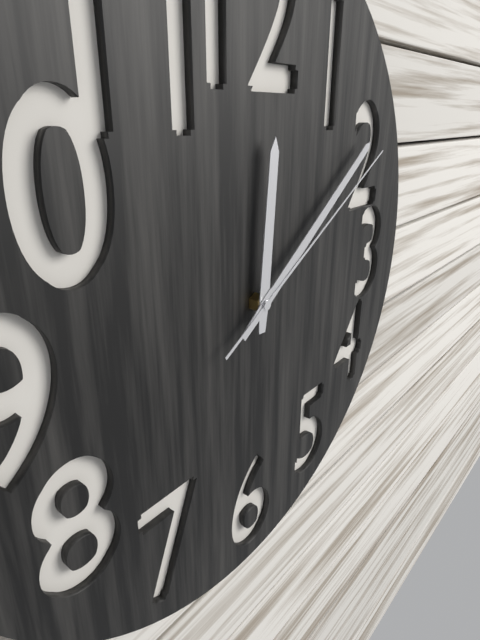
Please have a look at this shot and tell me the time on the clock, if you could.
12:09:10
